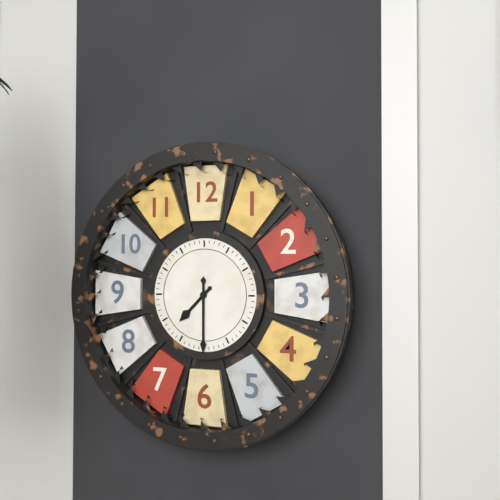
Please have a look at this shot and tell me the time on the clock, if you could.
7:30
